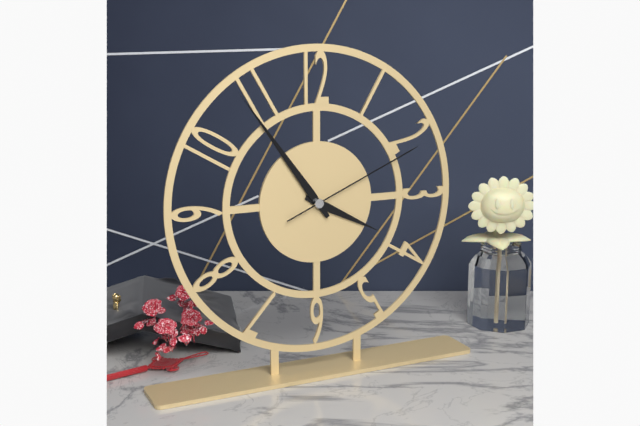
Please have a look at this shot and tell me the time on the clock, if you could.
3:54:11
